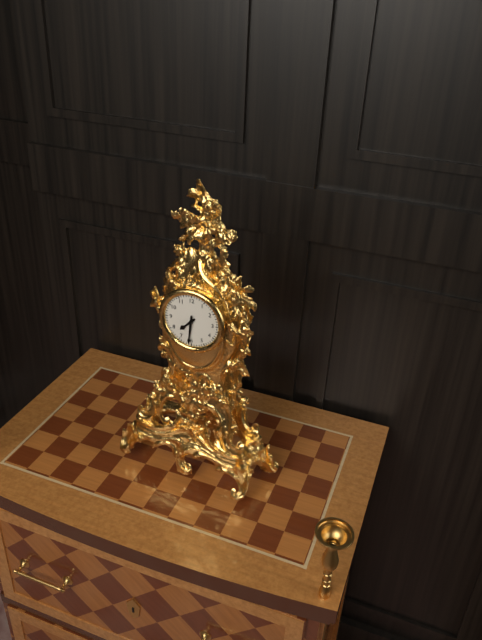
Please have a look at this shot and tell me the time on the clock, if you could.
7:31
